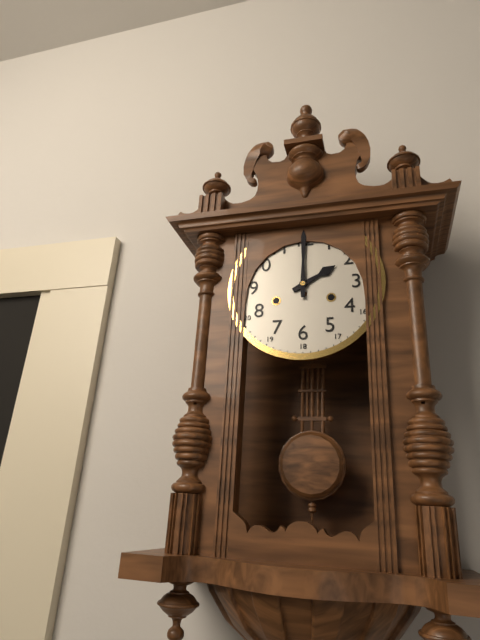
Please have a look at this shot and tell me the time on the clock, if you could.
2:00
